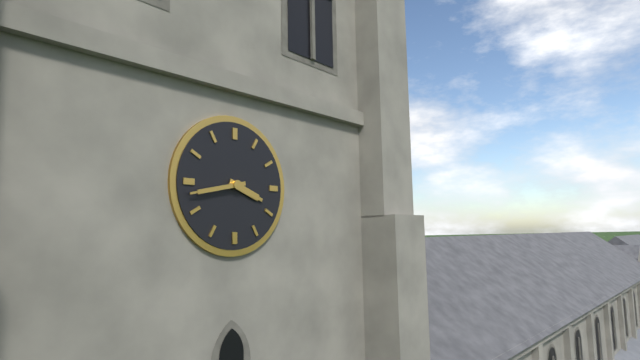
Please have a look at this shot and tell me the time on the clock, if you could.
3:43
